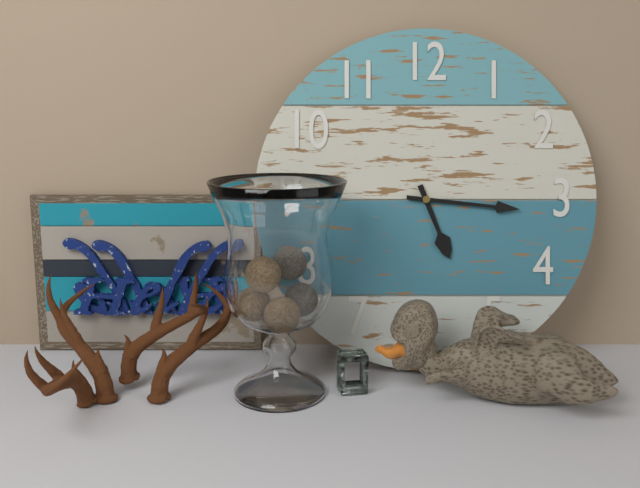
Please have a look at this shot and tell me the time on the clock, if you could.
5:16
